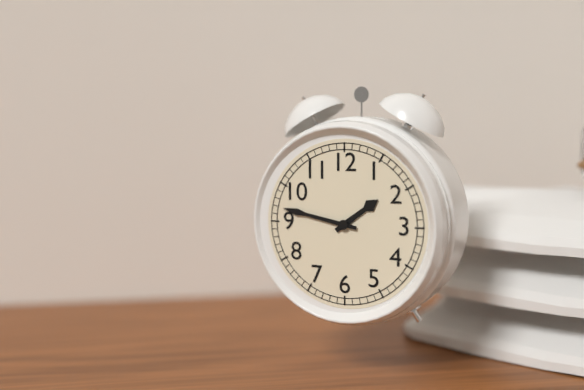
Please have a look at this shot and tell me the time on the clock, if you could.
1:47
